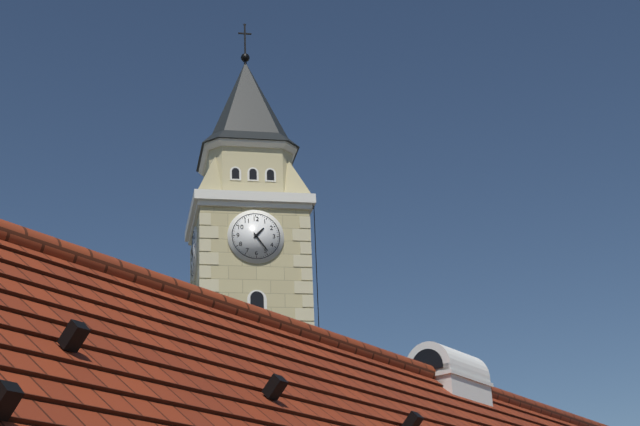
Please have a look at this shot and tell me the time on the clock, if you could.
1:24
